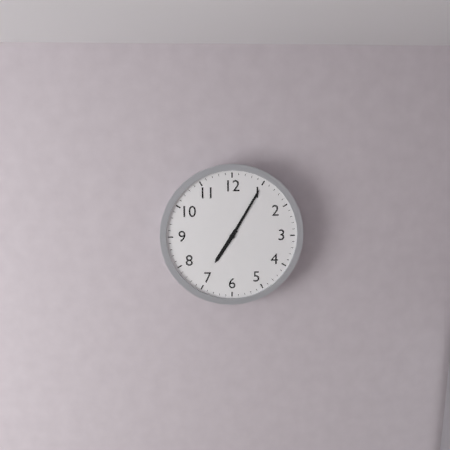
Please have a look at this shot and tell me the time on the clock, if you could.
7:05
